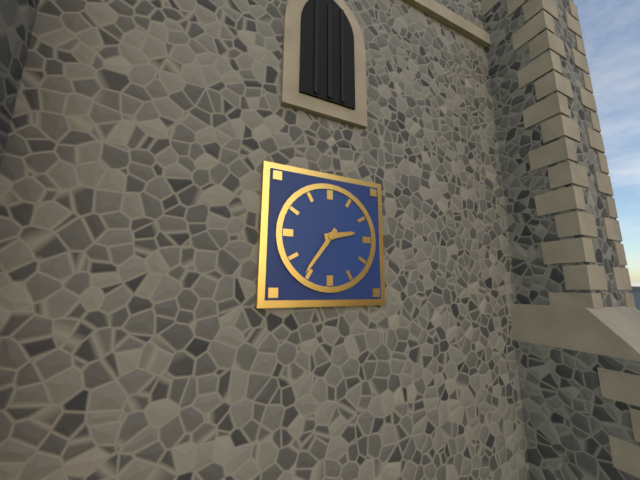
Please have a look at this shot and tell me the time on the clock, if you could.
2:36
